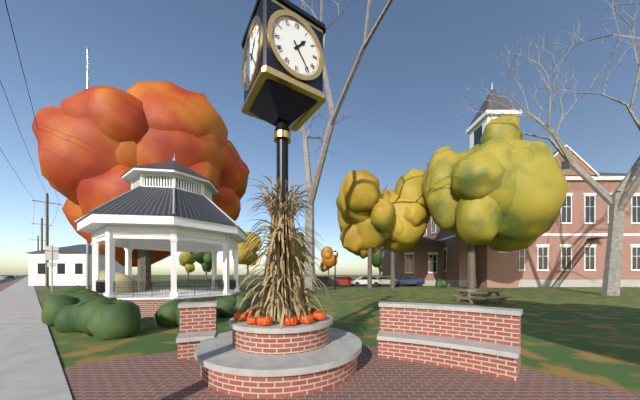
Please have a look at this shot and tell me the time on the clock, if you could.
1:24
